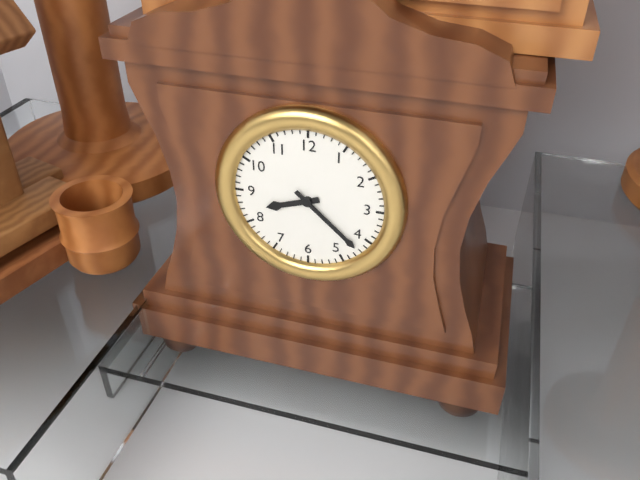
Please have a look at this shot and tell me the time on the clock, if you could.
8:22
